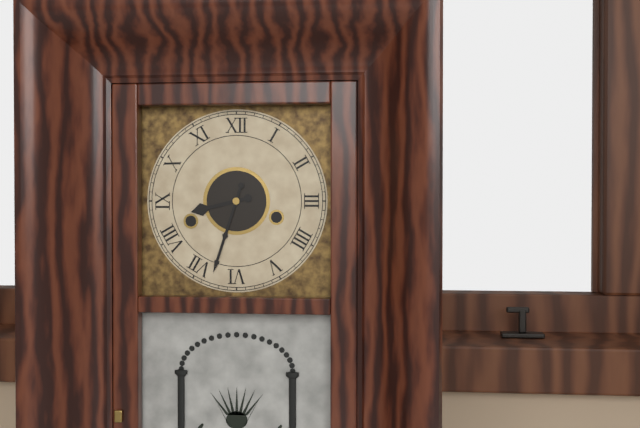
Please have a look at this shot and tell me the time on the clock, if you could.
8:33
